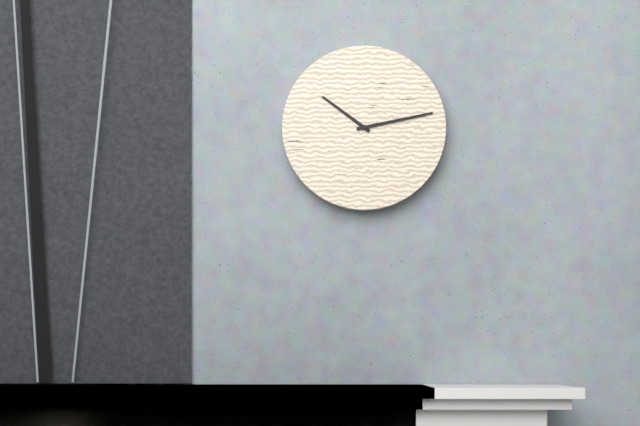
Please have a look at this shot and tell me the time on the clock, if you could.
10:13
